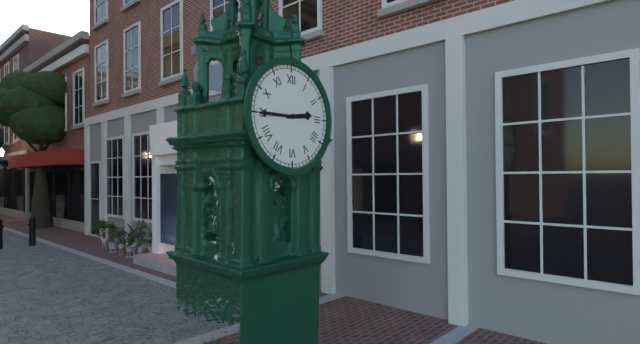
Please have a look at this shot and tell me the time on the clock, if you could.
2:45
